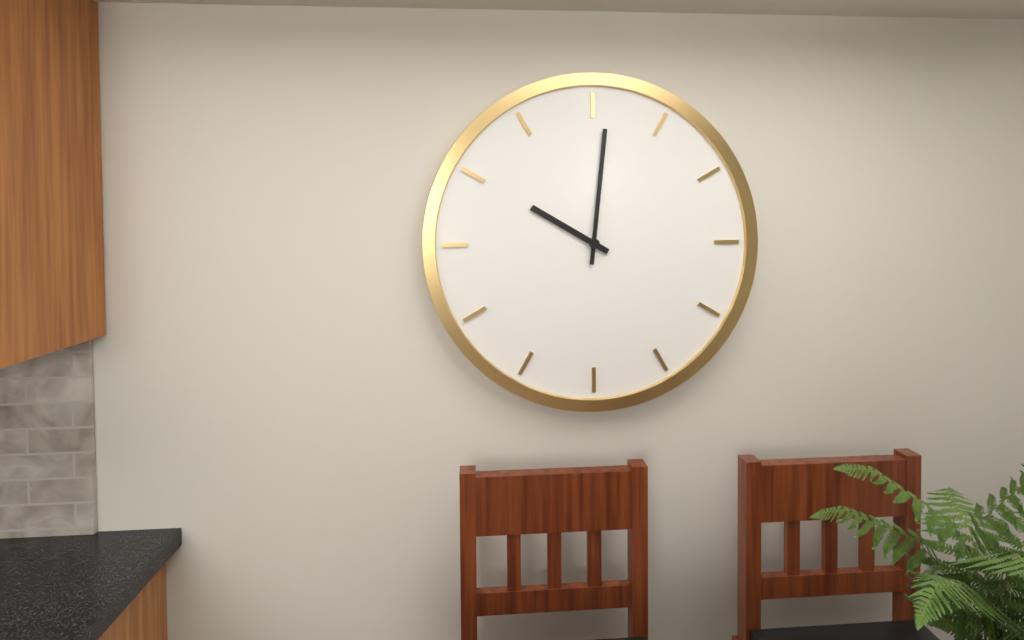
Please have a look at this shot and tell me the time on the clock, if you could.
10:01
